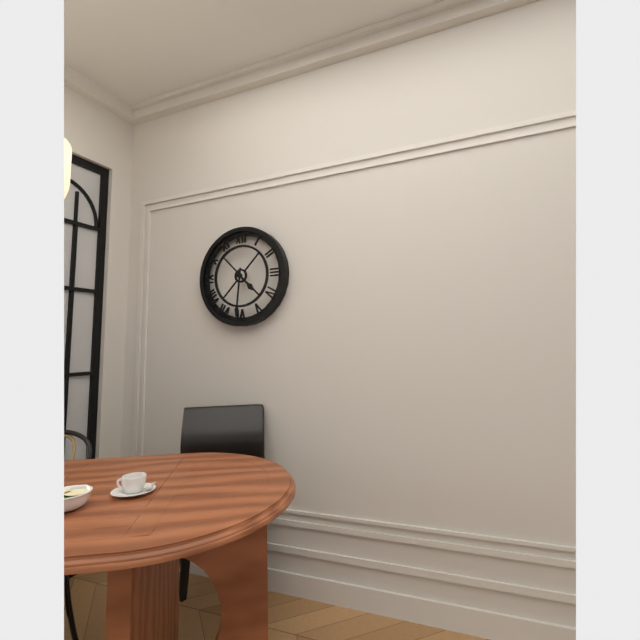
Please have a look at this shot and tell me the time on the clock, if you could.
4:31
